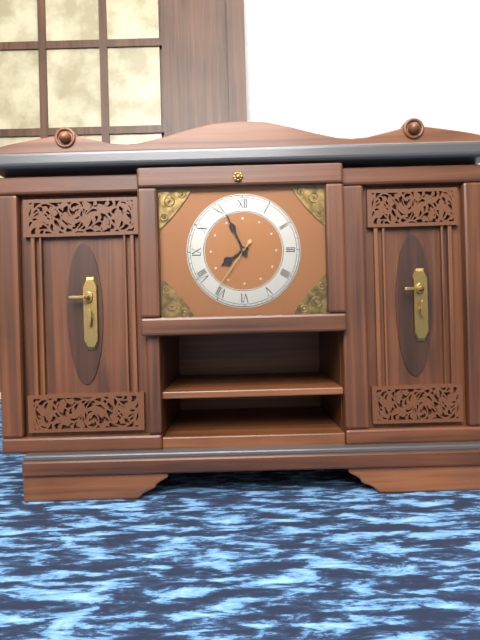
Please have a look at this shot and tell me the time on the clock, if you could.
7:56:36
